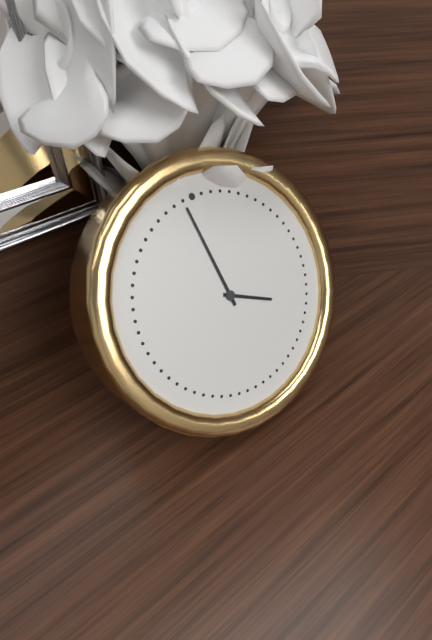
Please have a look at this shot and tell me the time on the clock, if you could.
3:59
